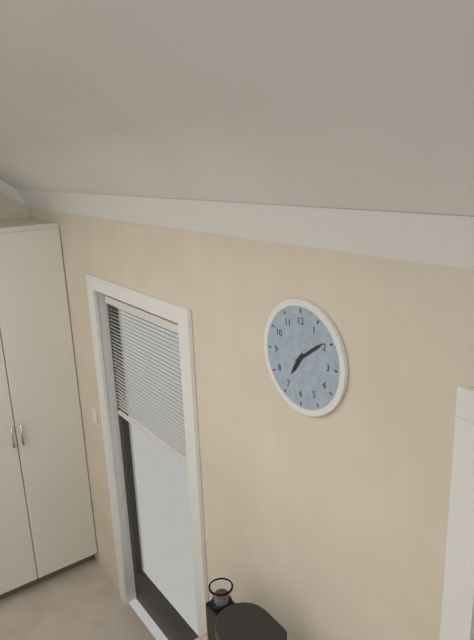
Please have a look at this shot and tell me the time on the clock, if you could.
7:09
